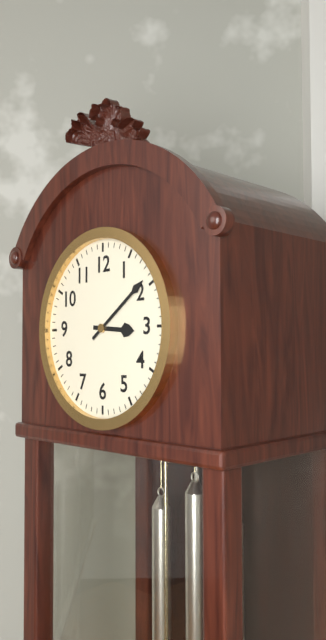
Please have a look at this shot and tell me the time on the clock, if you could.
3:09
